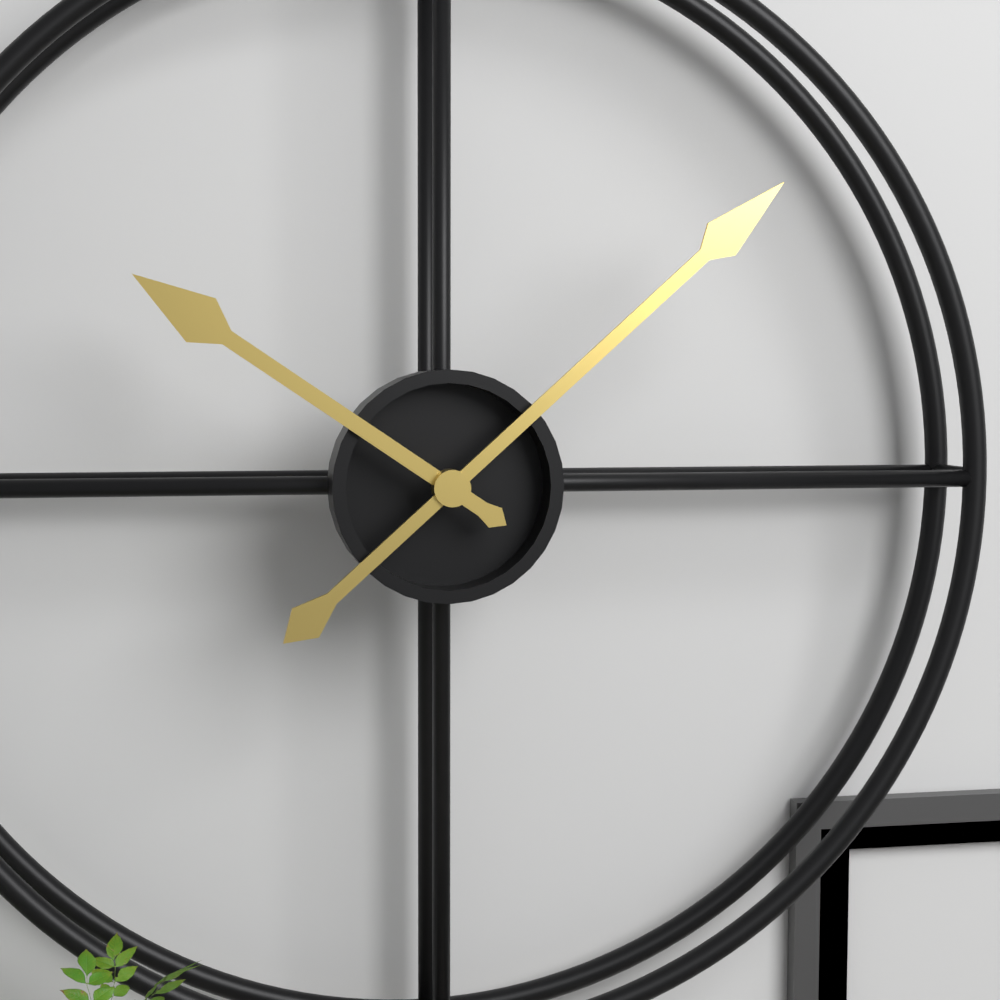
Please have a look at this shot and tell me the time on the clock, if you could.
10:08
